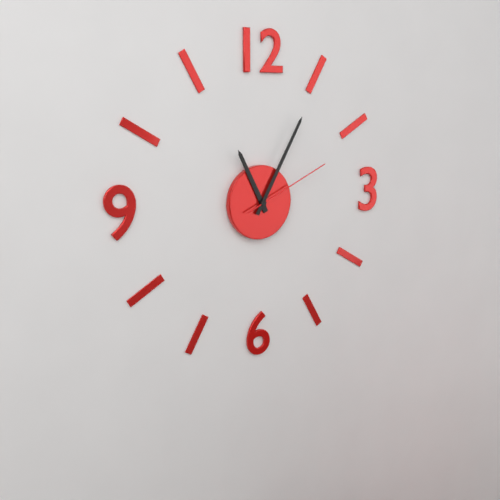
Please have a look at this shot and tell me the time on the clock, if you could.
11:05:11
